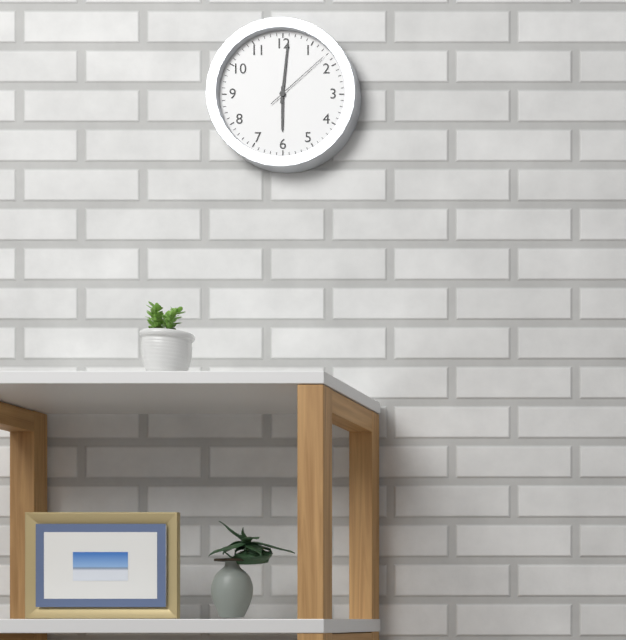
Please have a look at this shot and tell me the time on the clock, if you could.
6:01:08
